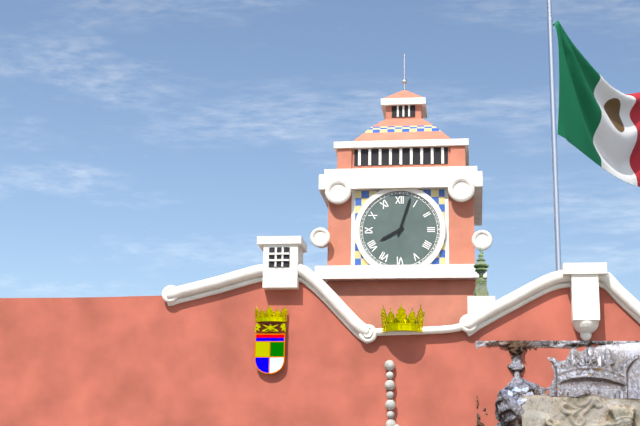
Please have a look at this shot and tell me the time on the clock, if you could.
8:03
